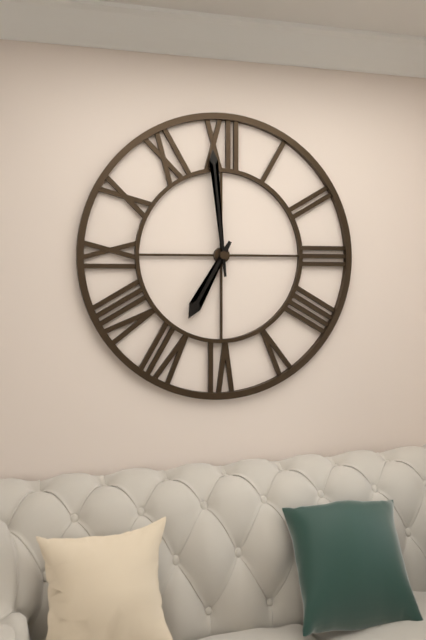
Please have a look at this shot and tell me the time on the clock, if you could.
6:59
